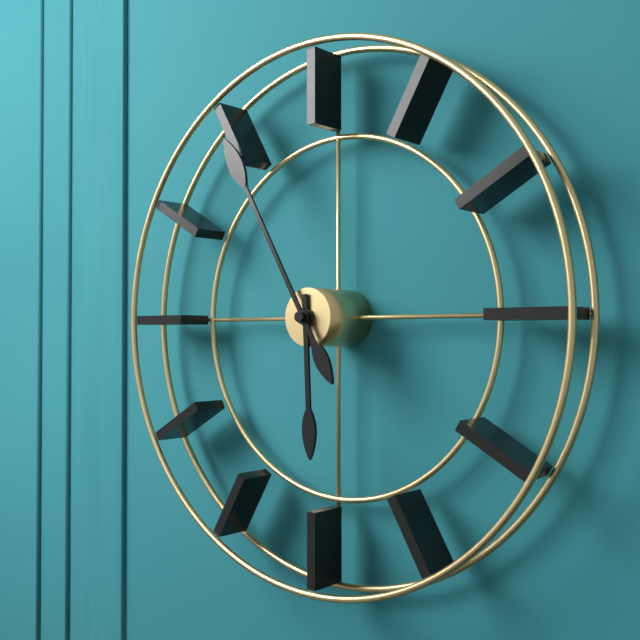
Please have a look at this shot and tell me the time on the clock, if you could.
5:55
